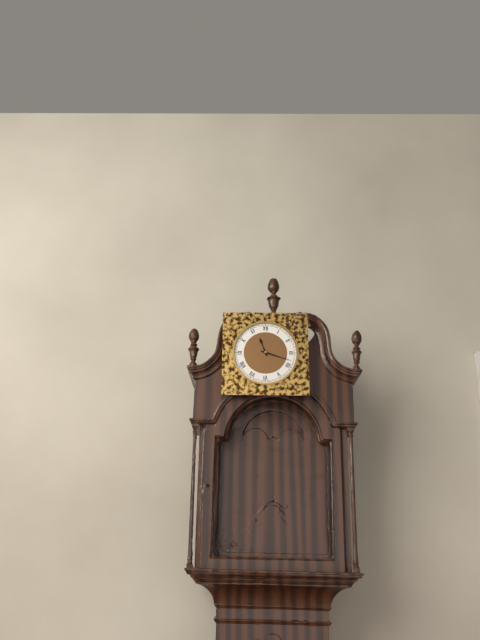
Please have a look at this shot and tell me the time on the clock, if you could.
11:18
